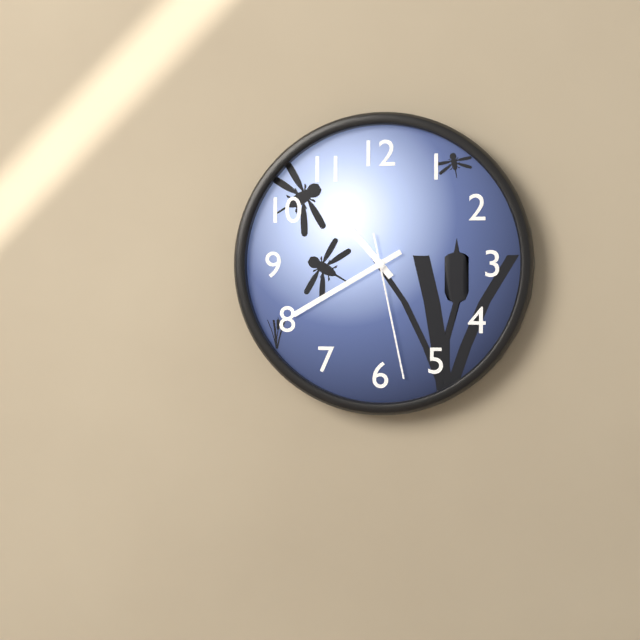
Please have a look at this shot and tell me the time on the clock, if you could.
10:40:28
